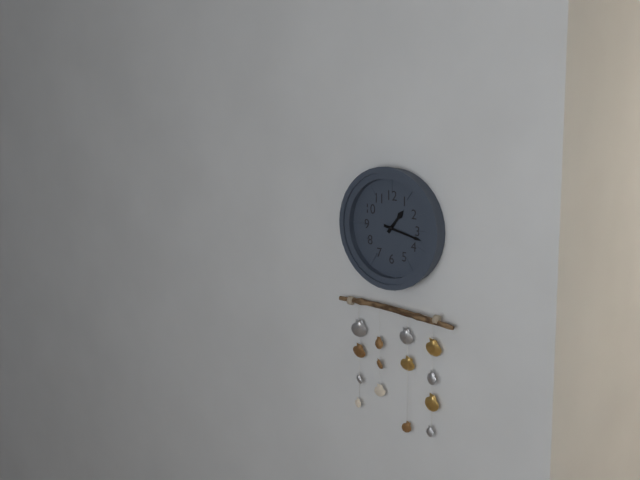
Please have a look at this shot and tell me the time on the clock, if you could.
1:17
